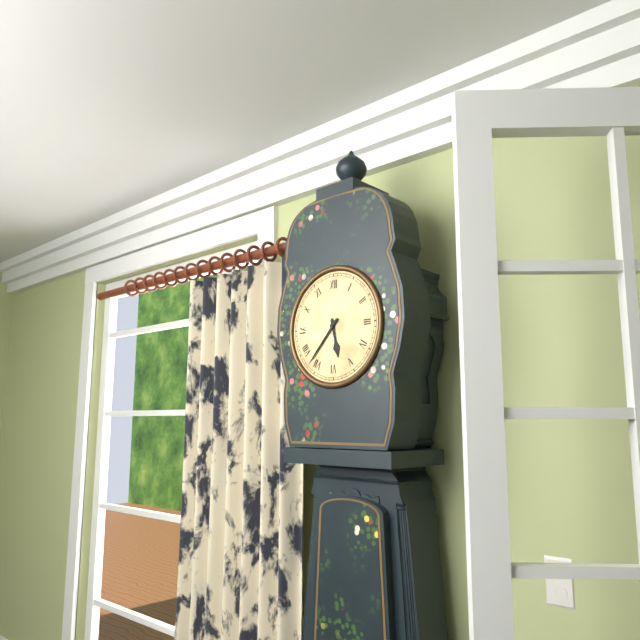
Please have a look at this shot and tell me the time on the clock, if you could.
5:37
